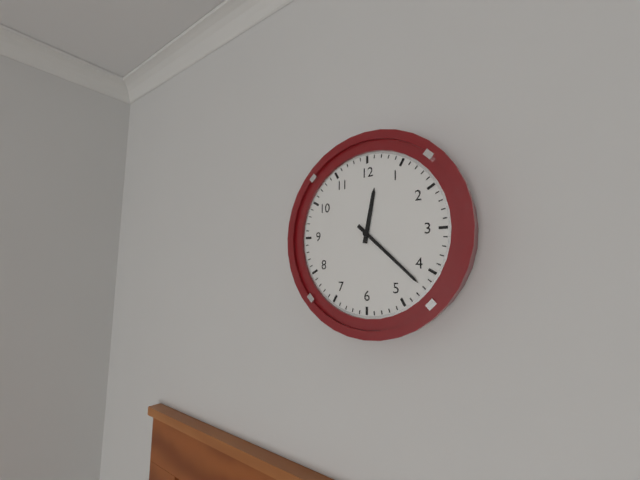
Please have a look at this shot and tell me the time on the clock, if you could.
12:22
